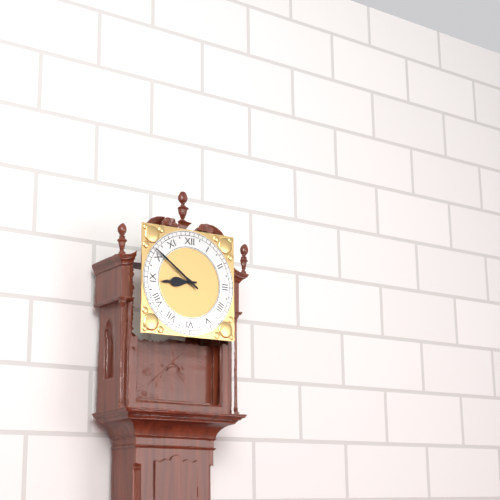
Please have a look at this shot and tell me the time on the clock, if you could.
8:51
